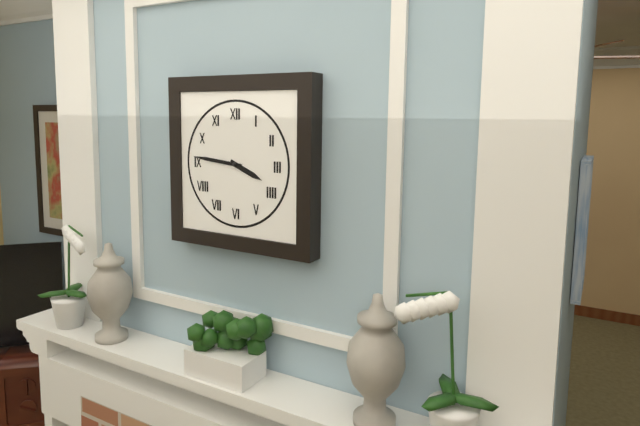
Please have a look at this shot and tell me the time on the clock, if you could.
3:46
